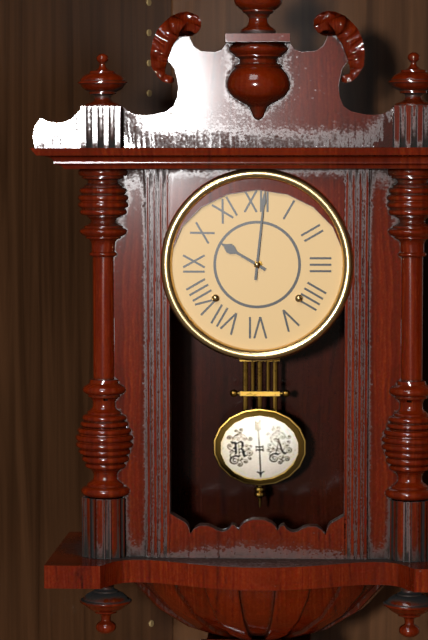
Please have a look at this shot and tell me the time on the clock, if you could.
10:01
